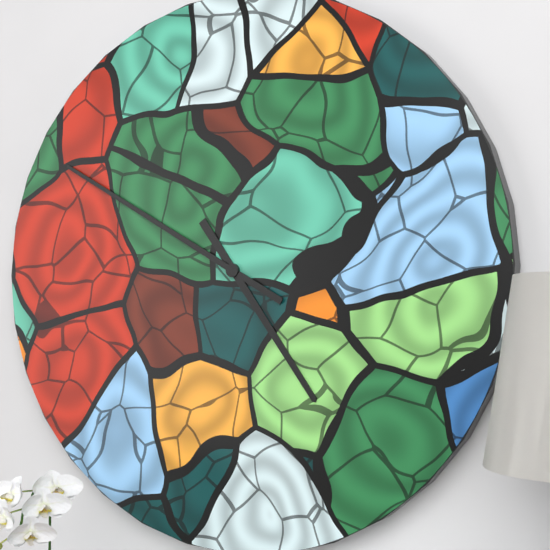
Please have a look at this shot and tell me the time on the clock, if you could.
4:50
